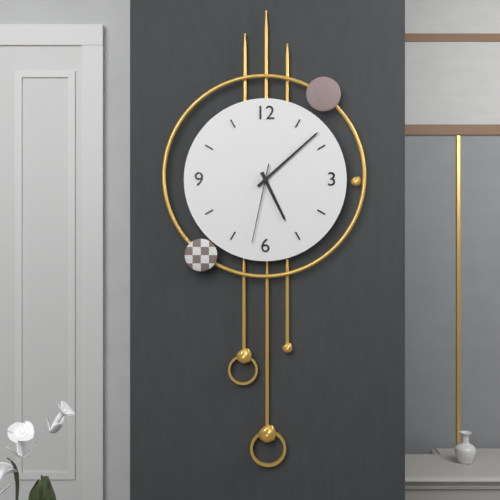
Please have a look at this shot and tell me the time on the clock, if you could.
5:08:32
